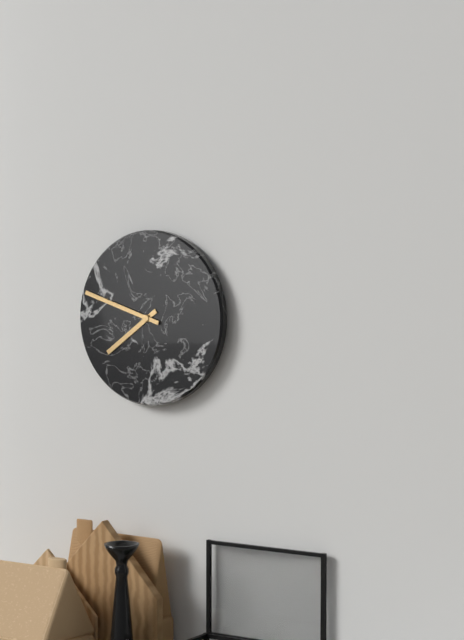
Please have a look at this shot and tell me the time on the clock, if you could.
7:48
